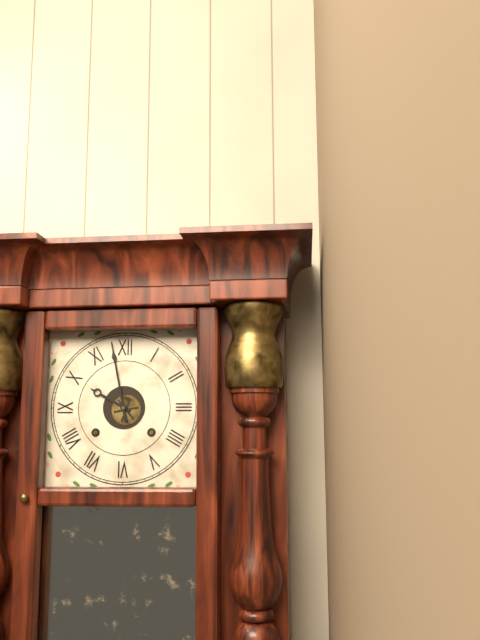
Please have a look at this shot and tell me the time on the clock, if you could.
9:58
